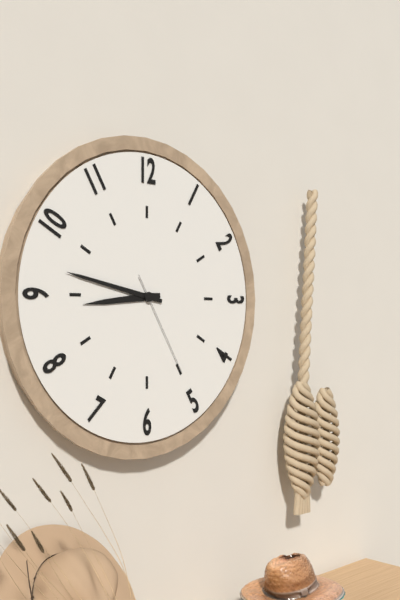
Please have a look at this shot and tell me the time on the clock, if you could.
8:47:25
